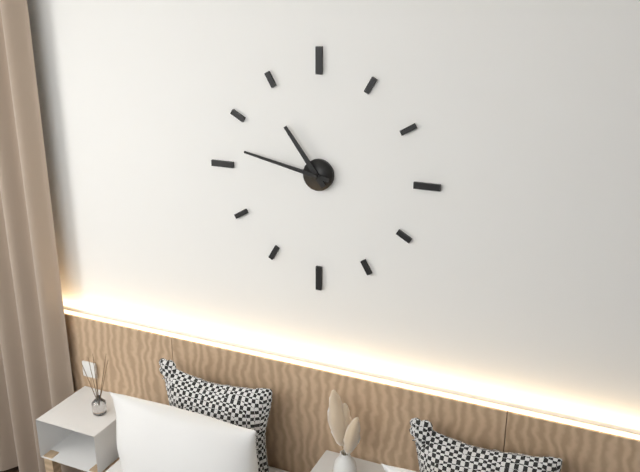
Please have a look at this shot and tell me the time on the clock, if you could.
10:47
